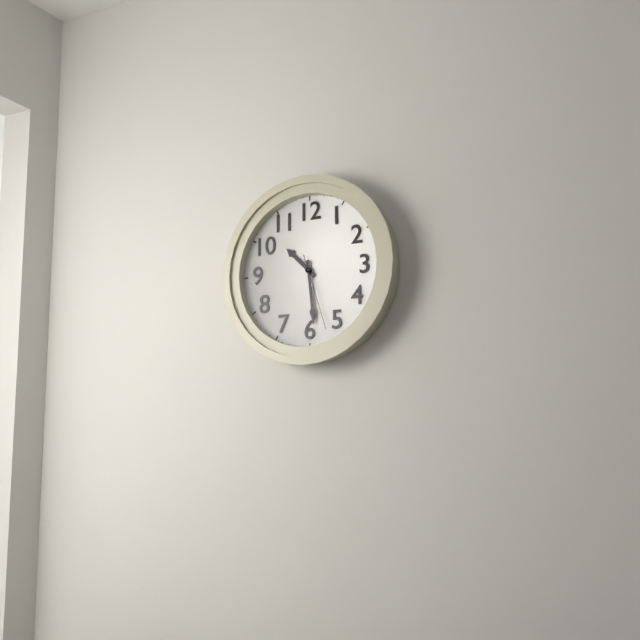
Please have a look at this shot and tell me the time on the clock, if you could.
10:29:27
